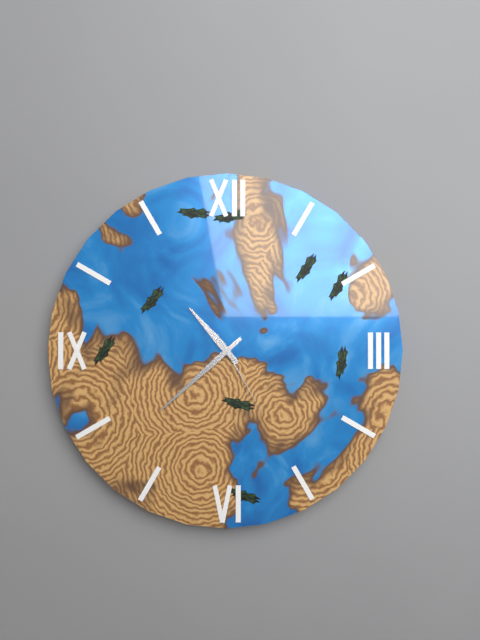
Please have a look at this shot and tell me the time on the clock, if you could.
10:38:25
